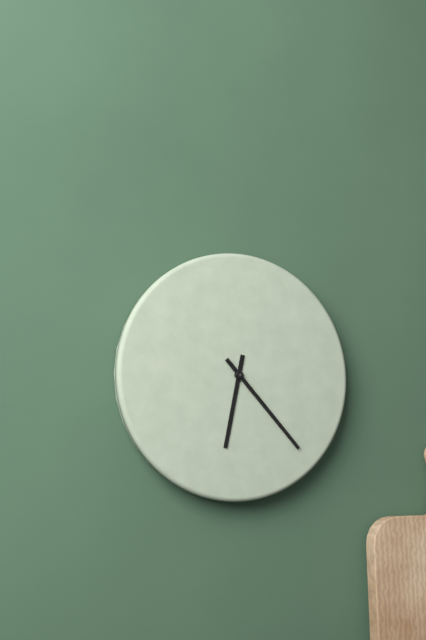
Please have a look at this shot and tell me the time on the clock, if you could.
6:23
